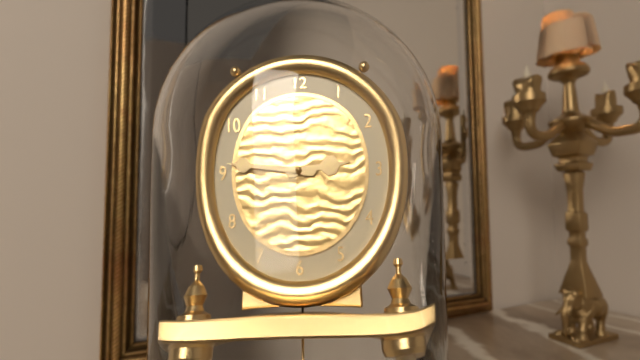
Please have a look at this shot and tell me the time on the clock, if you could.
2:46
